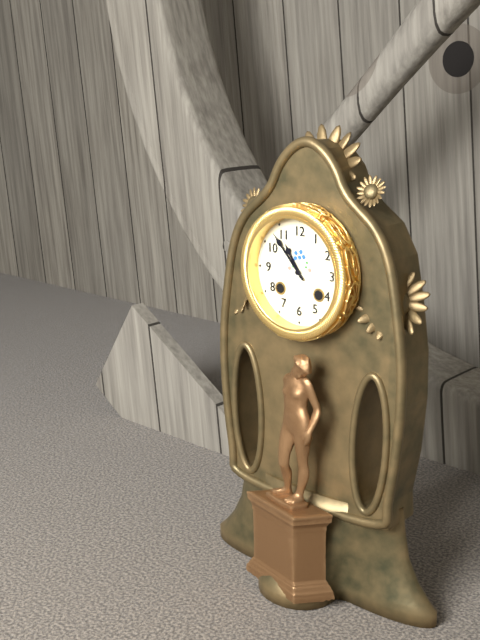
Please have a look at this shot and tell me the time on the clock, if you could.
10:53
